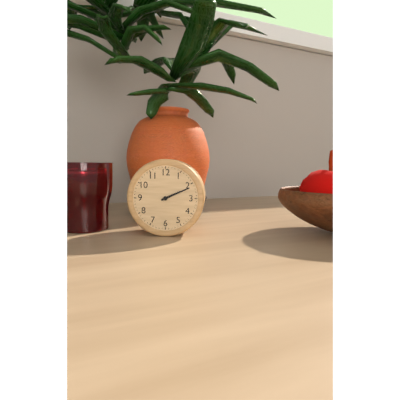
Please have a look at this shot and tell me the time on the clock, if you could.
2:11
